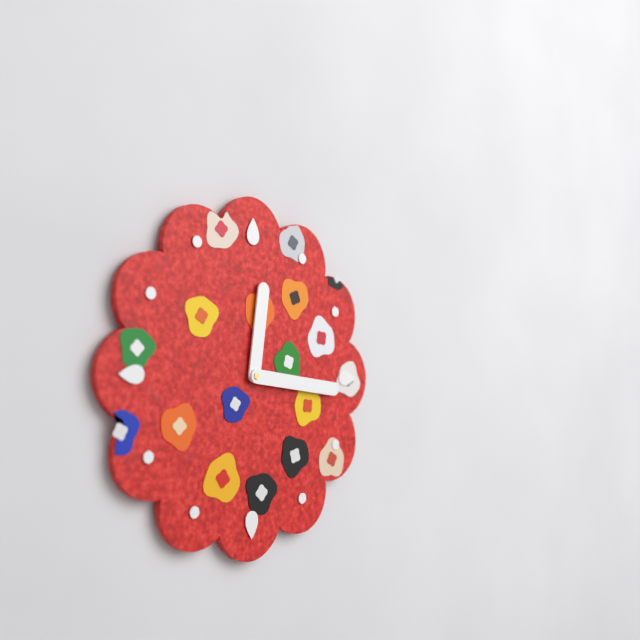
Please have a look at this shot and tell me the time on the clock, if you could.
12:16
